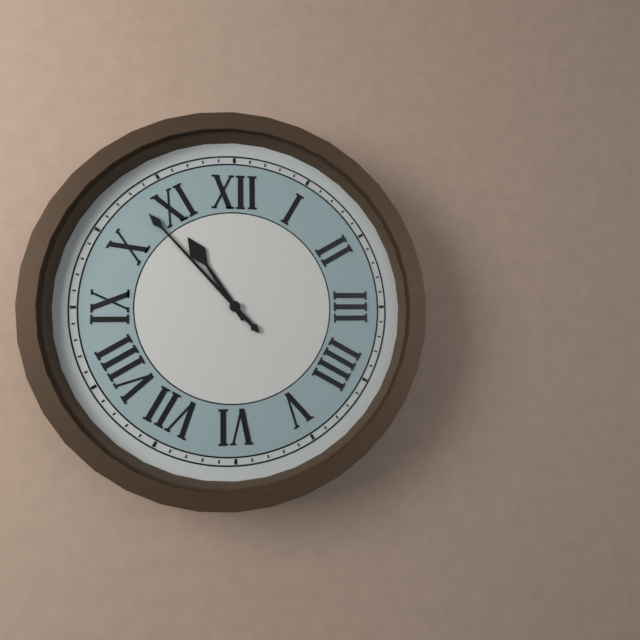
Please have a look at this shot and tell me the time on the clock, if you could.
10:53
